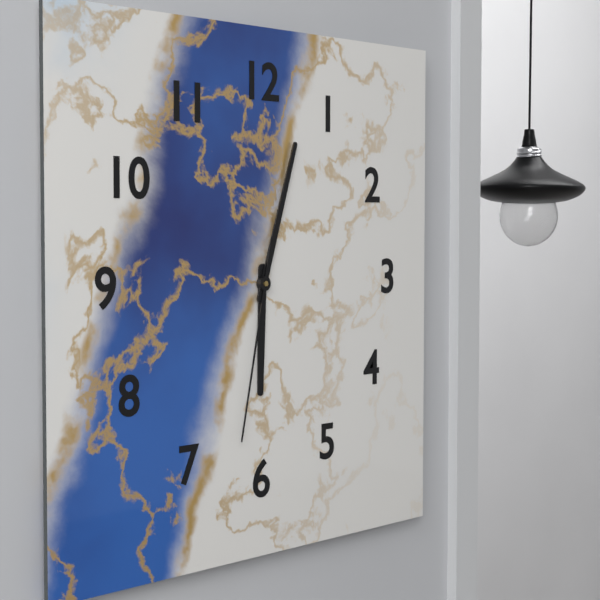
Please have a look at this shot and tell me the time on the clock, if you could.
6:03:32
